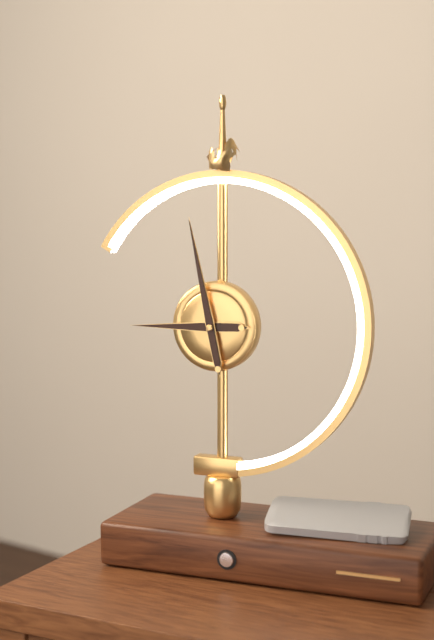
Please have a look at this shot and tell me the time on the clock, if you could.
8:58
